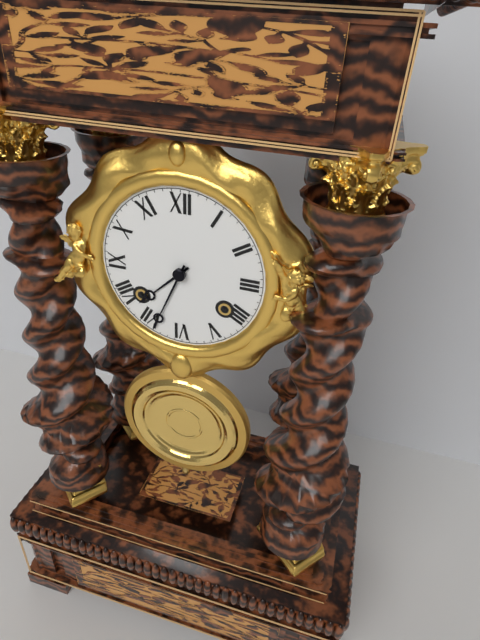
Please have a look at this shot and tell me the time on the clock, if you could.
7:34
